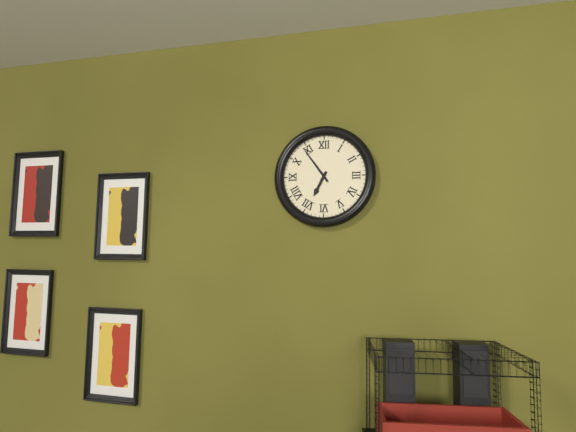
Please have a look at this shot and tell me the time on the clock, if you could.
6:54
